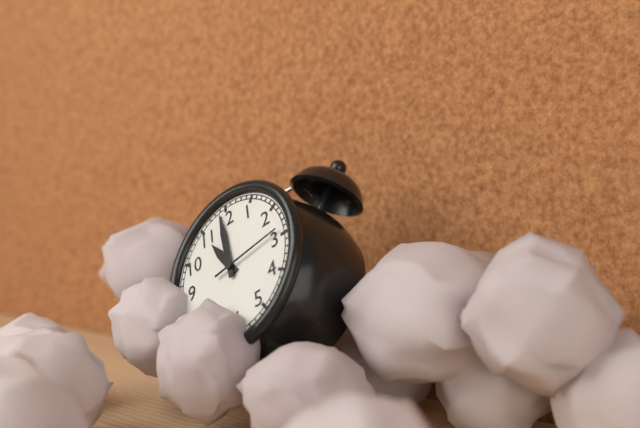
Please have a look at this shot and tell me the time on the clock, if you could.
10:59:14
